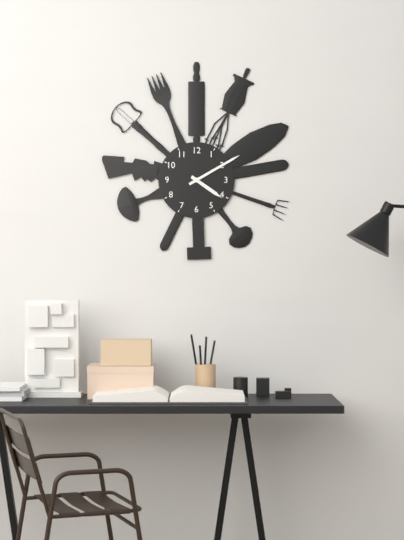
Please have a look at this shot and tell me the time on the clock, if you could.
4:10
